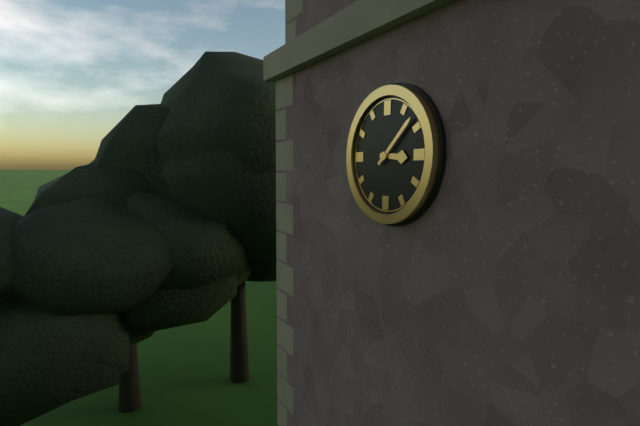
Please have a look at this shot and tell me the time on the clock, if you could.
3:08
